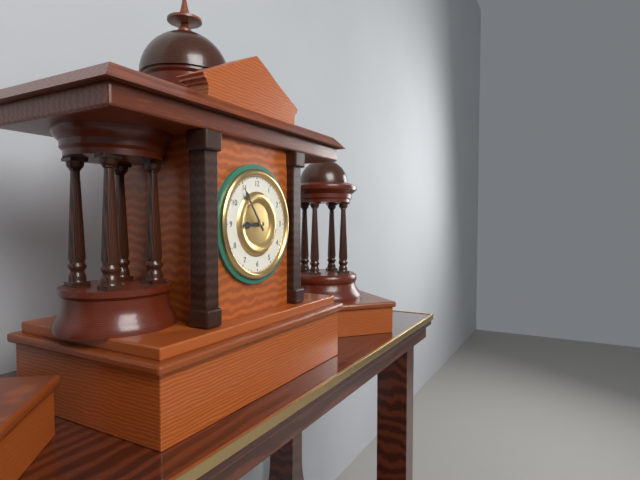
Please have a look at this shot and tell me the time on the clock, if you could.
8:54
